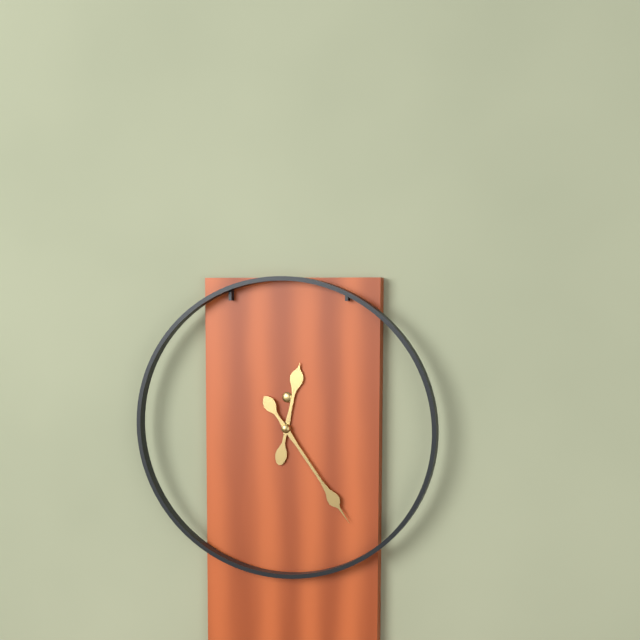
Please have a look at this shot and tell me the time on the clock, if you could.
12:24
